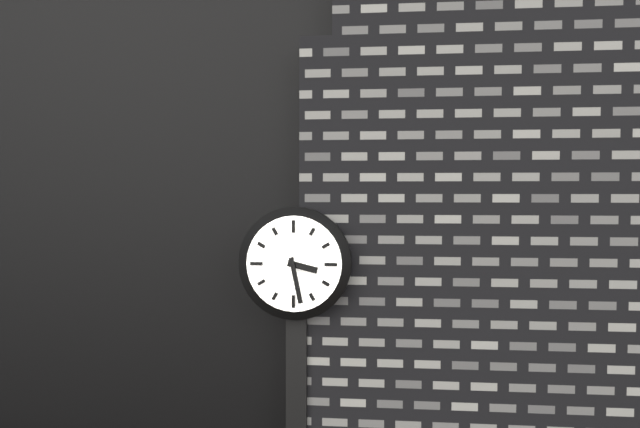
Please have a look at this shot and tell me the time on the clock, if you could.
3:28
